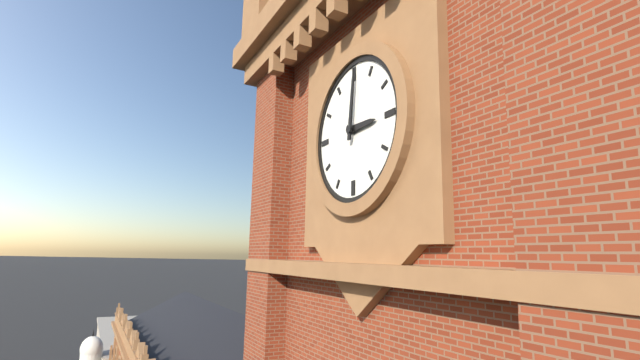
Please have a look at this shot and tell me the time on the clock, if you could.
3:01
